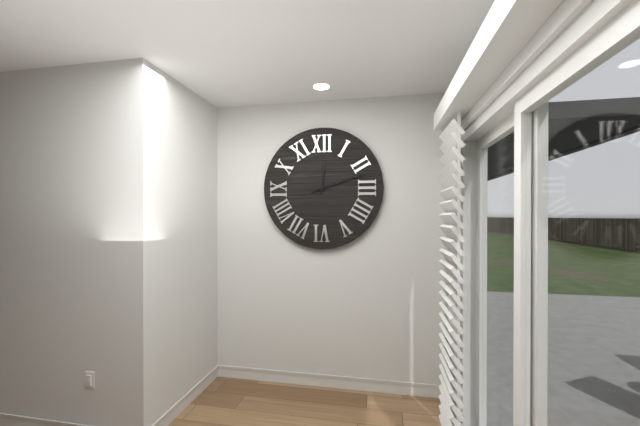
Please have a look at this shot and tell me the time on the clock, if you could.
12:12
